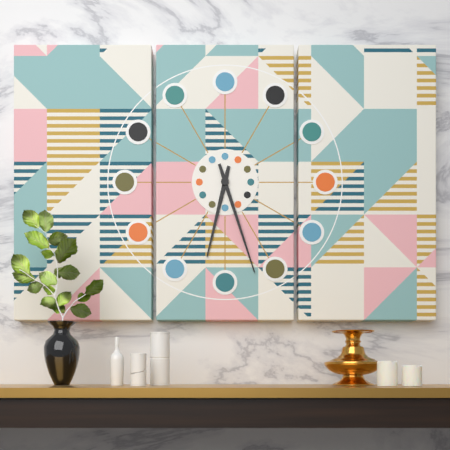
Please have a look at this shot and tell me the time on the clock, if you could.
6:27
